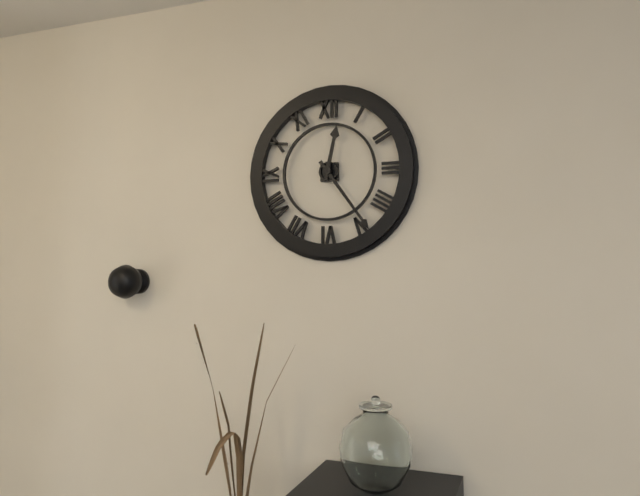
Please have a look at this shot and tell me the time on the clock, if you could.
12:24
